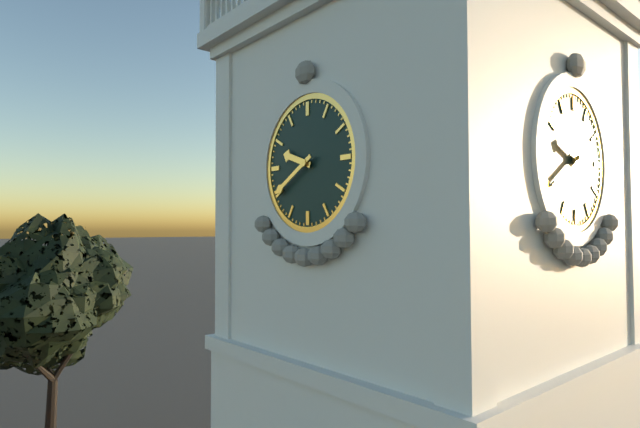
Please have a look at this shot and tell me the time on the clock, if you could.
9:40
